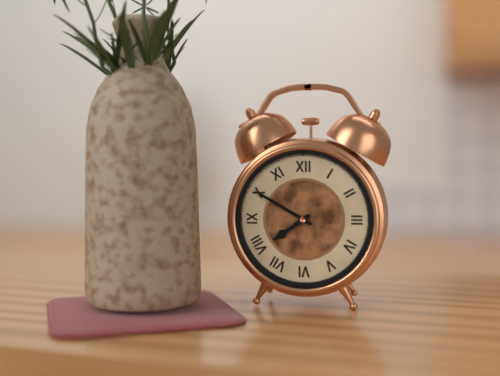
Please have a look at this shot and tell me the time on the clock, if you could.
7:50
